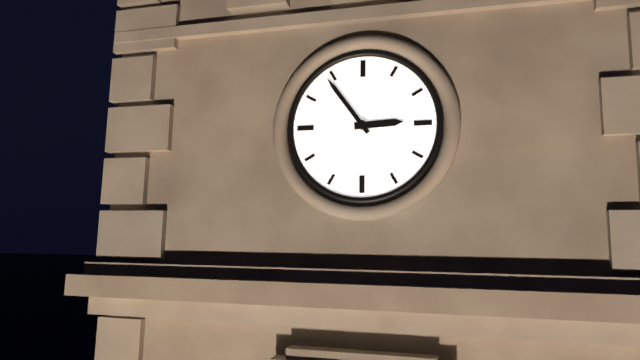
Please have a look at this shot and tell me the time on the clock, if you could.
2:54
